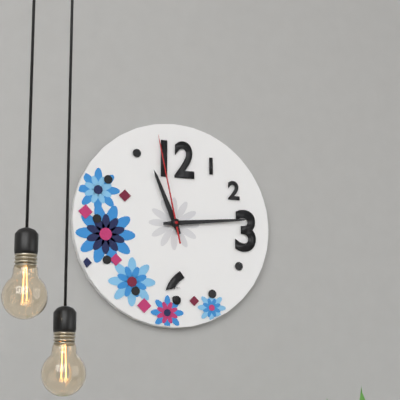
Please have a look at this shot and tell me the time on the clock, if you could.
11:14:58
